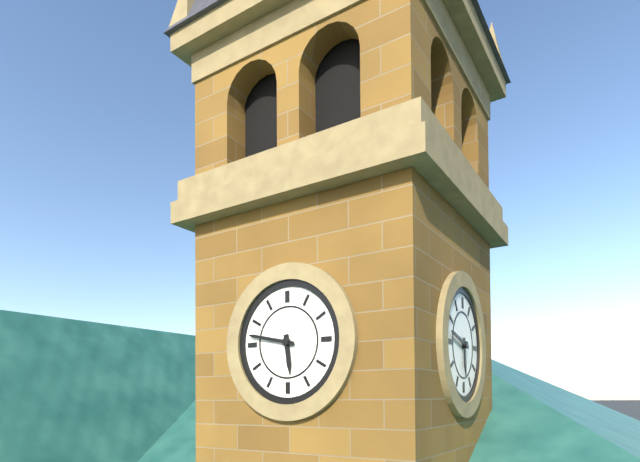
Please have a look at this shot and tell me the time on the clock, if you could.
5:47
